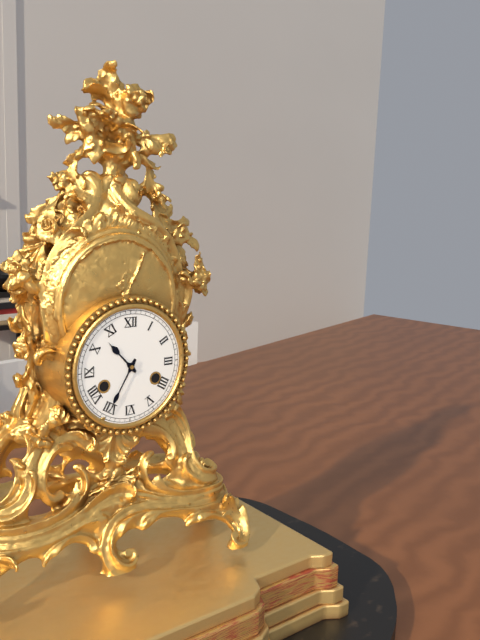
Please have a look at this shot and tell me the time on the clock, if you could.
10:35
